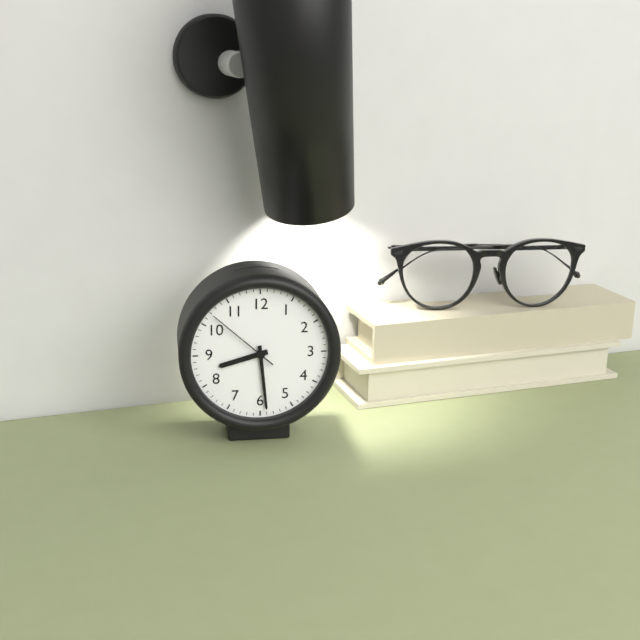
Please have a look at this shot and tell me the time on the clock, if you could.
8:29:52
